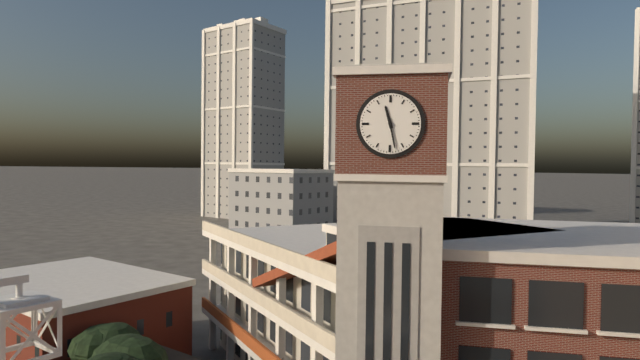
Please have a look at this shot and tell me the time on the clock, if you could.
11:28
